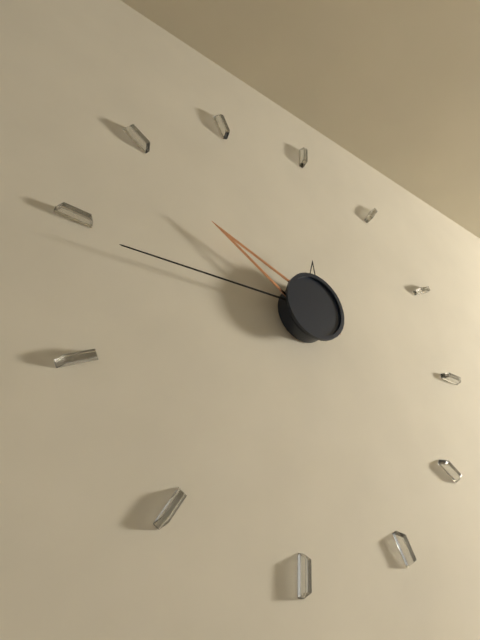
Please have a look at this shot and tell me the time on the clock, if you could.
9:44:00
